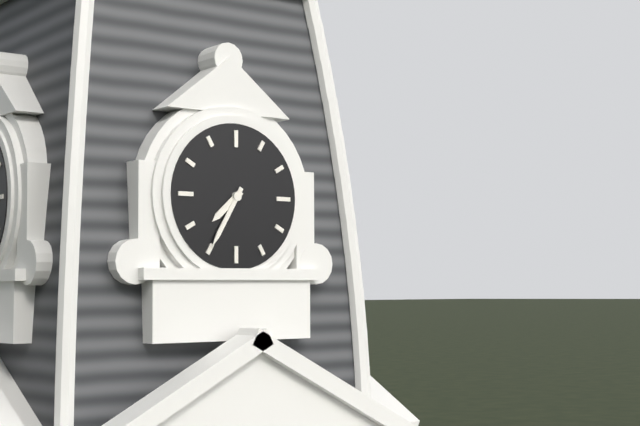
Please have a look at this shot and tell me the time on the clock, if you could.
7:35
